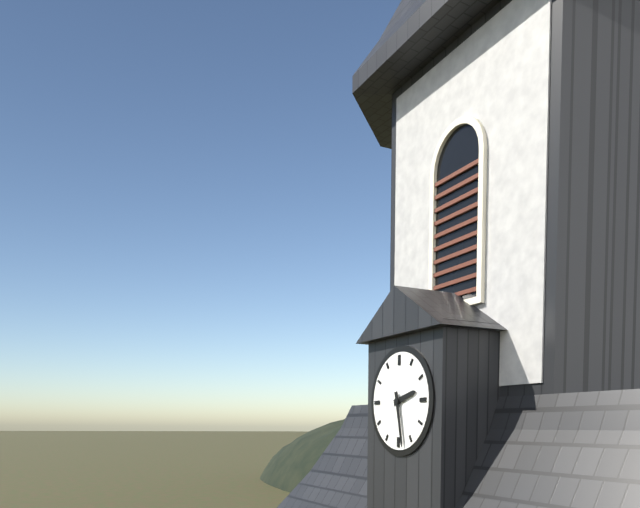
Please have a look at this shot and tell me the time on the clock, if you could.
2:28
